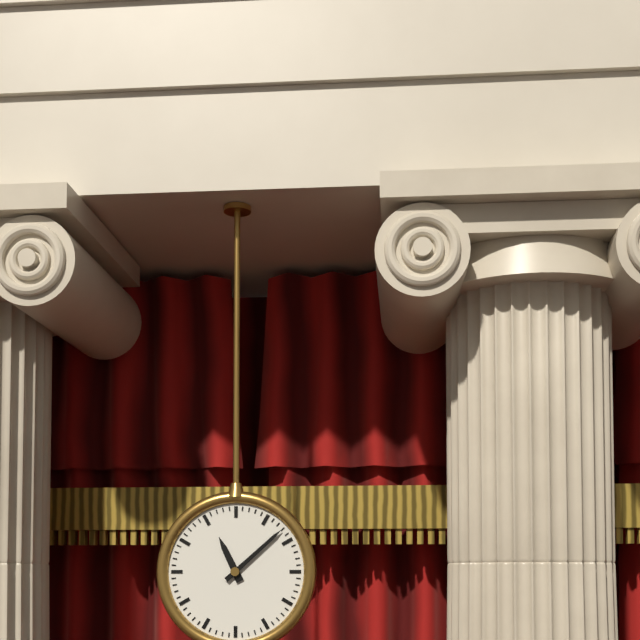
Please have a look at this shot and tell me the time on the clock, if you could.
11:08
